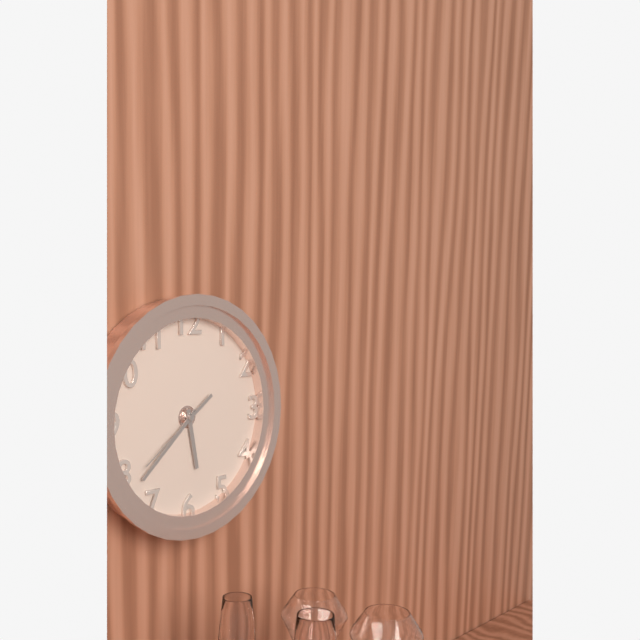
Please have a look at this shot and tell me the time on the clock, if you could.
5:38:39
